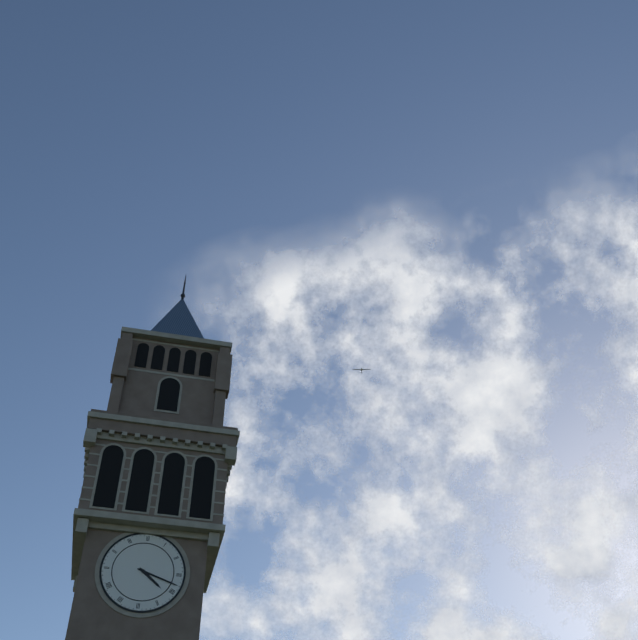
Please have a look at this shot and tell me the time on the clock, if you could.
4:18
